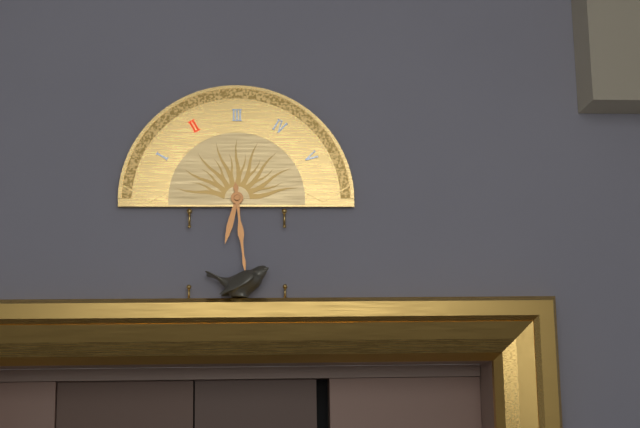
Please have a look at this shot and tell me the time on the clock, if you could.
6:29
